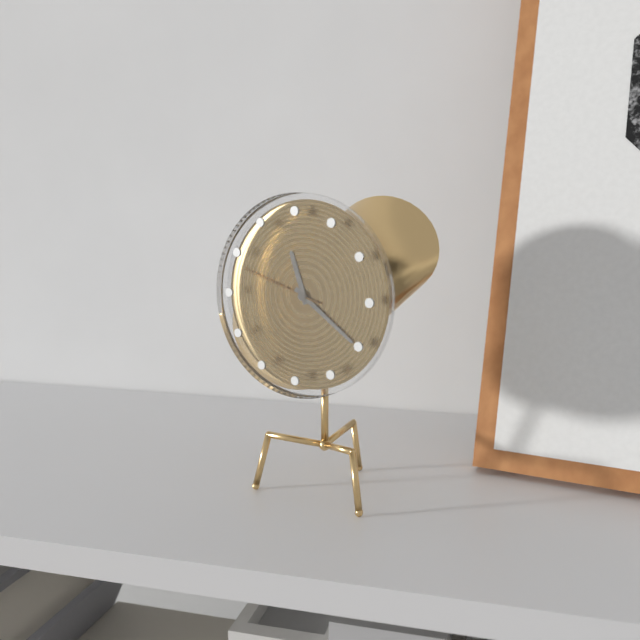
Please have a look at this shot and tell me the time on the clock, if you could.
11:21:48
